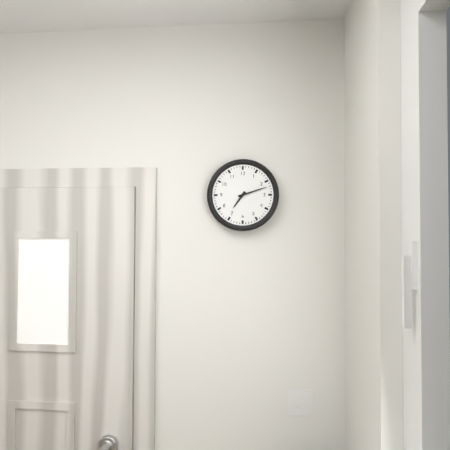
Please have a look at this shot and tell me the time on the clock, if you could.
7:12
